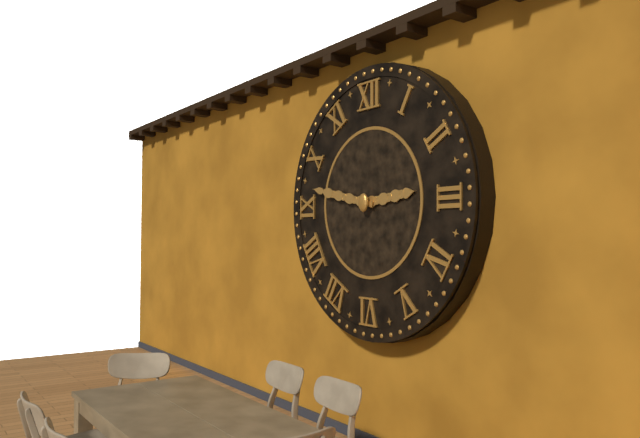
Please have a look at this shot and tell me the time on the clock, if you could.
2:47
